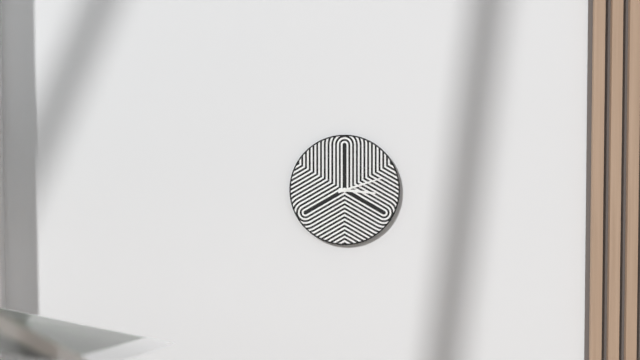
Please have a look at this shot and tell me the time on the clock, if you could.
3:12
